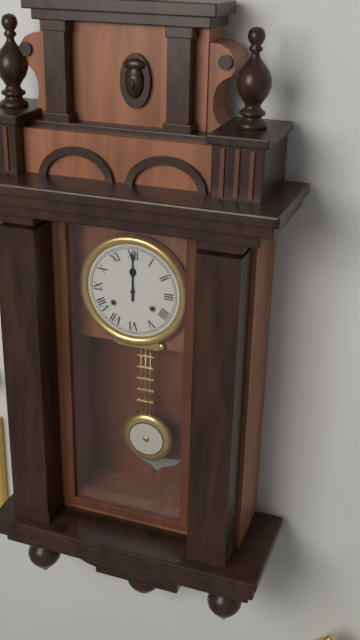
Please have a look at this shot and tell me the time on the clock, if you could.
12:00
